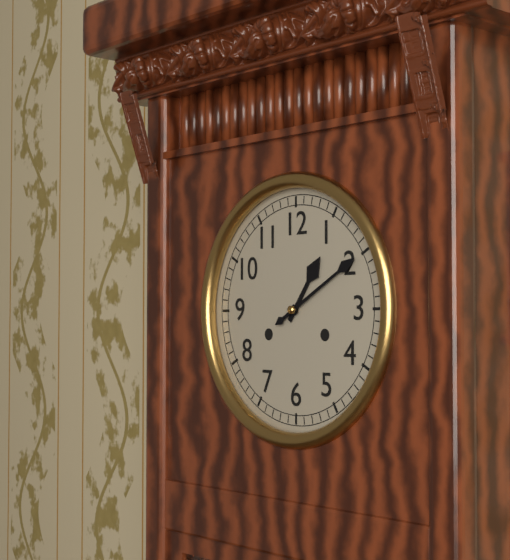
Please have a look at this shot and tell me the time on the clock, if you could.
1:10
